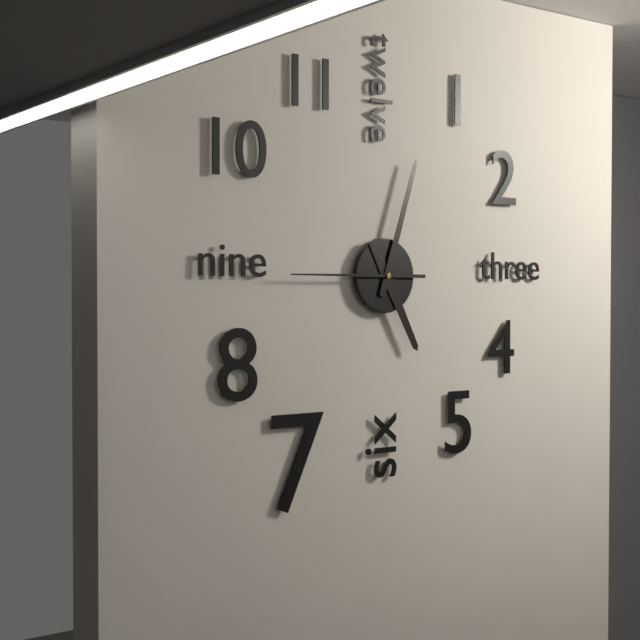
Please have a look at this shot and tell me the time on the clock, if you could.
5:03:45
